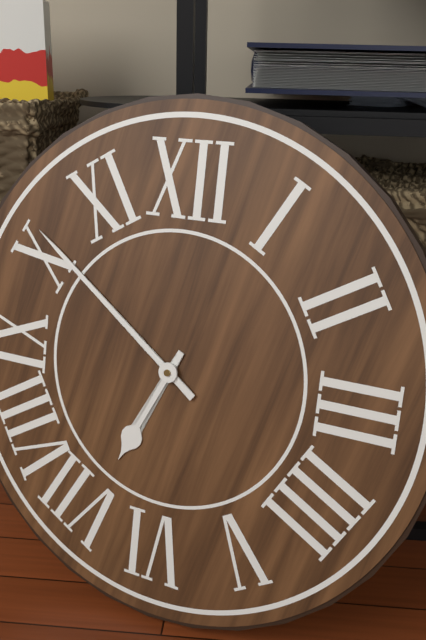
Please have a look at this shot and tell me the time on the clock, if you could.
6:51
